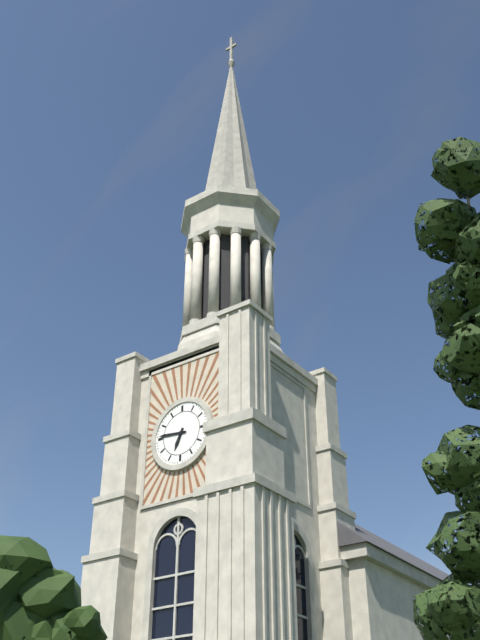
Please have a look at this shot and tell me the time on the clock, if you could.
6:46
